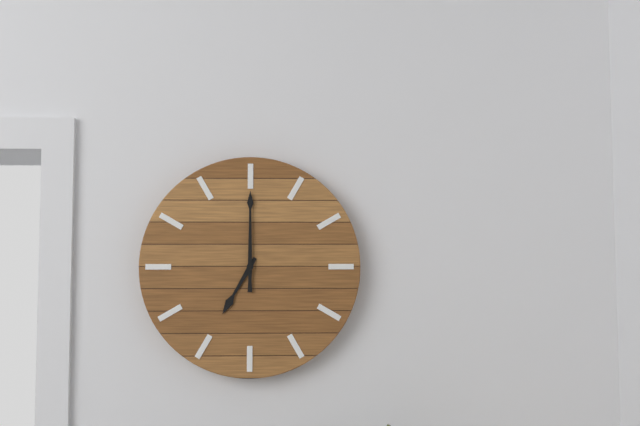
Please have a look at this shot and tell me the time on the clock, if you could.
7:00
